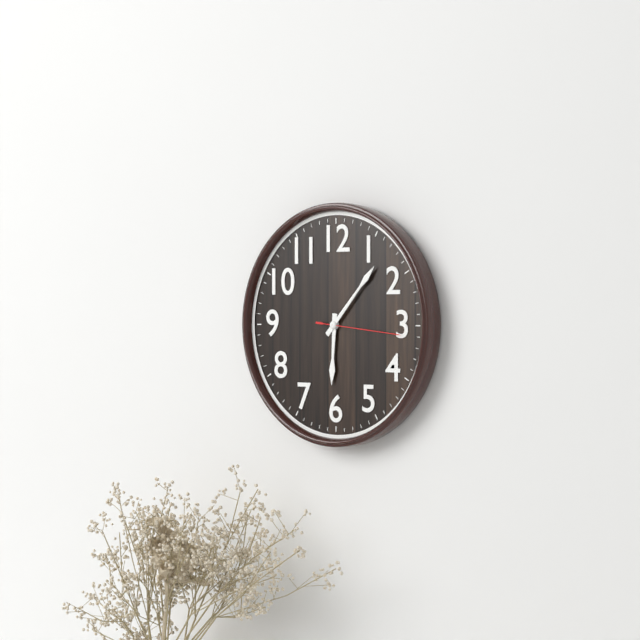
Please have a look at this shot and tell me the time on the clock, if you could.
6:07:16
